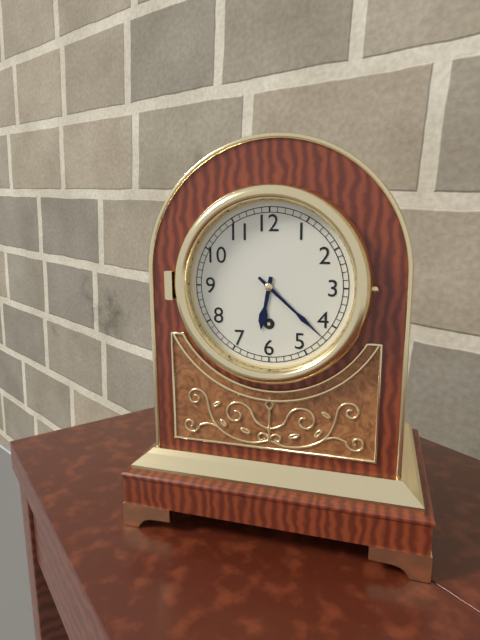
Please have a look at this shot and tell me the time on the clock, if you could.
6:22
